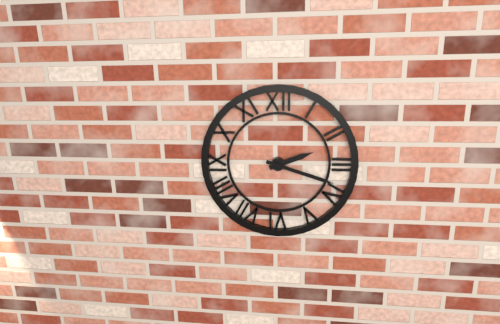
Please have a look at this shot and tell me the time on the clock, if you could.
2:18
